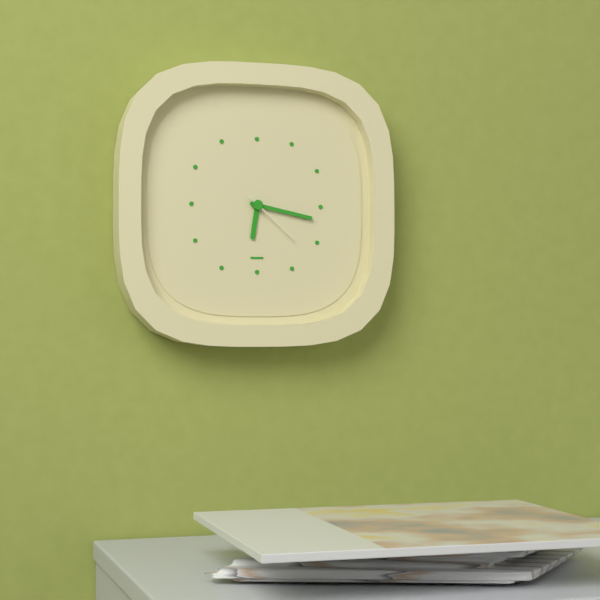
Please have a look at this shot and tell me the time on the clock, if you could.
6:17:22
